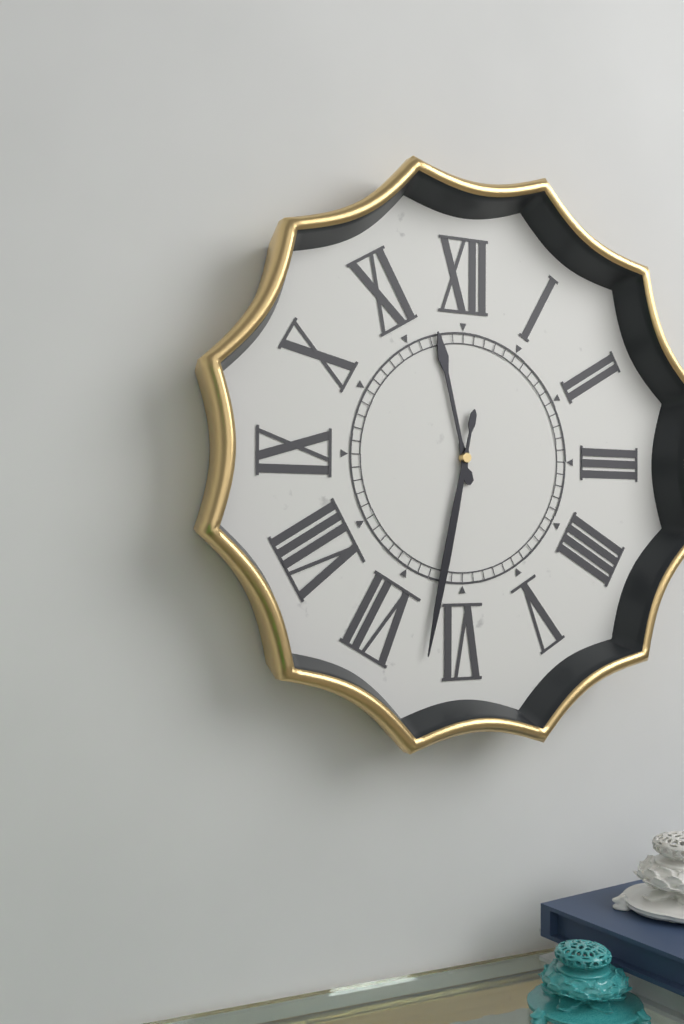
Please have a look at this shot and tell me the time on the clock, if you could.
11:32
